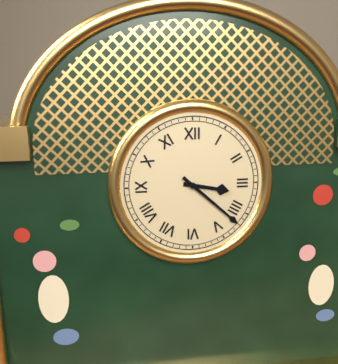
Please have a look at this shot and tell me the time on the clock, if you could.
3:22
